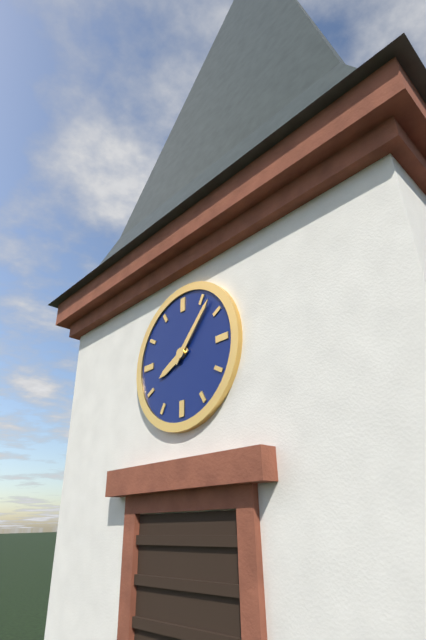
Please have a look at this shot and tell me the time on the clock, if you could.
8:07
